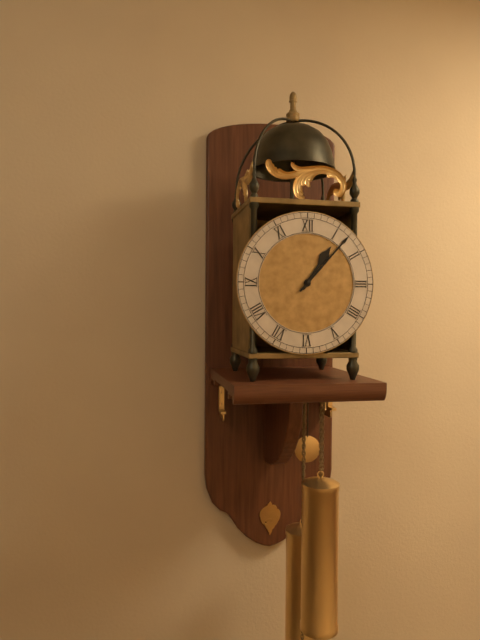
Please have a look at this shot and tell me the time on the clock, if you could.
1:07
